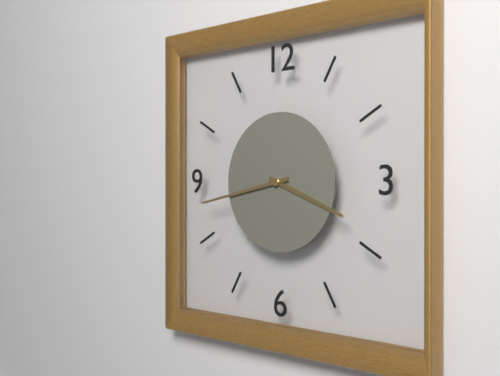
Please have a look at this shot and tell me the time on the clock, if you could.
3:43
